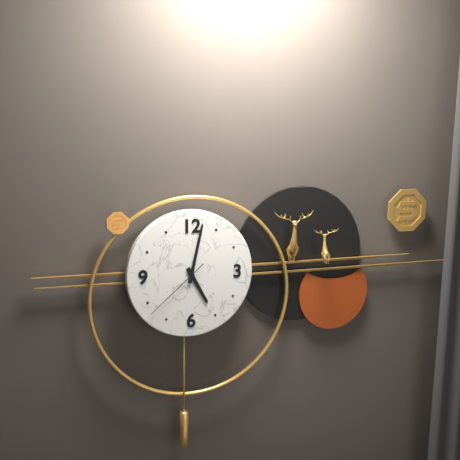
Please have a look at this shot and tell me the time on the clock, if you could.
5:02:38
